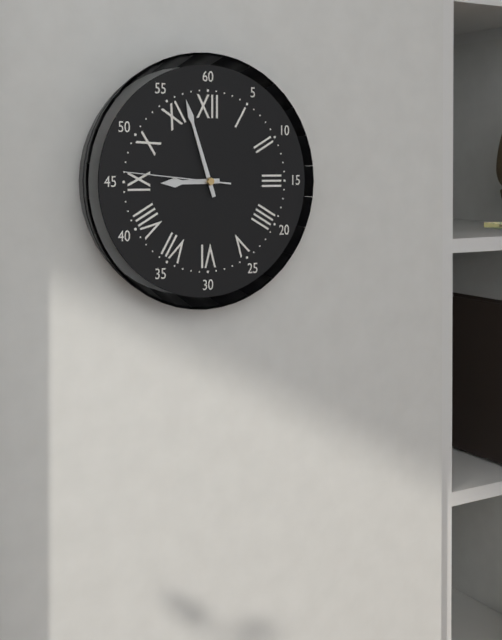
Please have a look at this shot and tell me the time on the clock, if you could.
8:57:46
